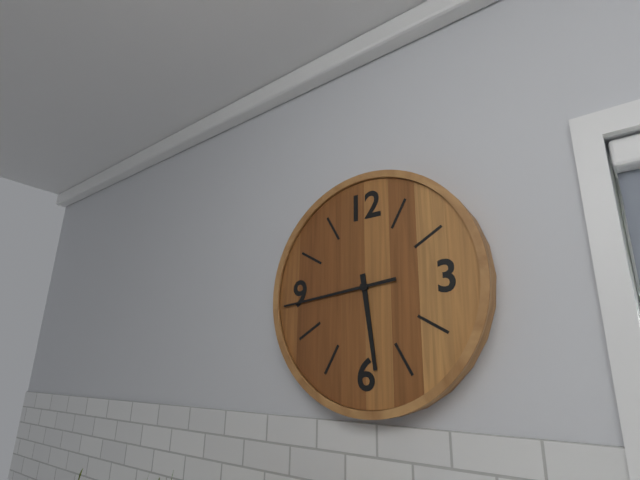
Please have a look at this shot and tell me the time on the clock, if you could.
5:44
